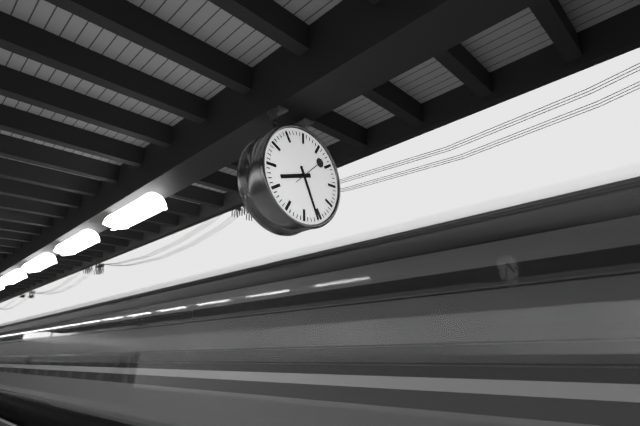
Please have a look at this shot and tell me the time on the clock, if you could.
8:26
